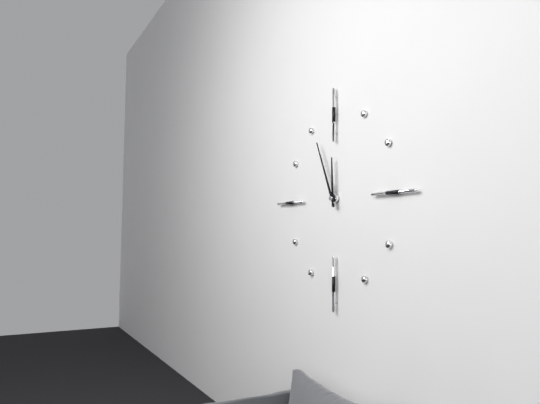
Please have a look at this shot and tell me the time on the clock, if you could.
11:56
